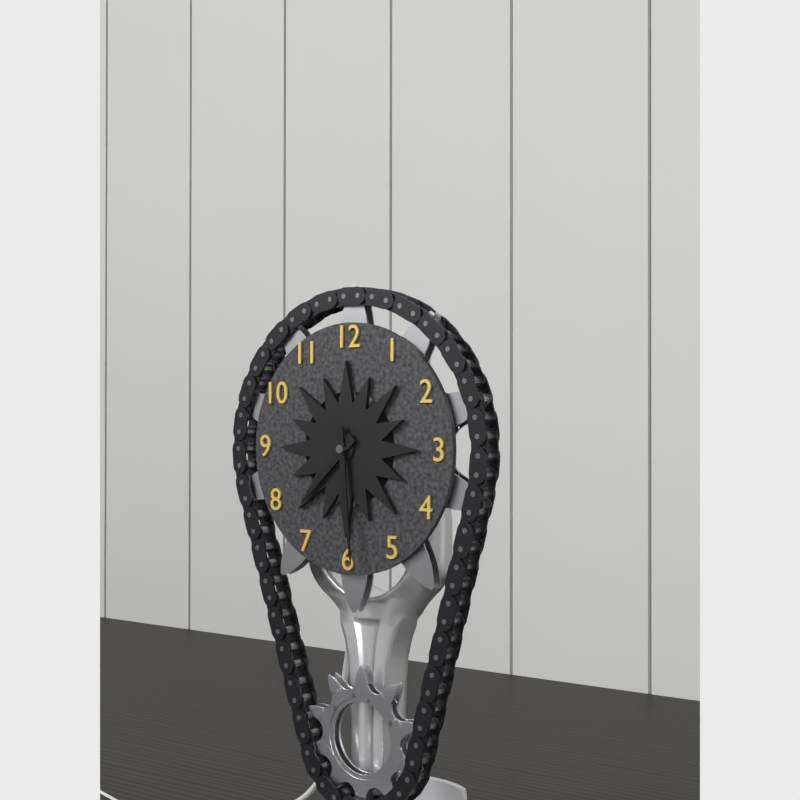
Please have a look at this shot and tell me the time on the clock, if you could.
7:29
